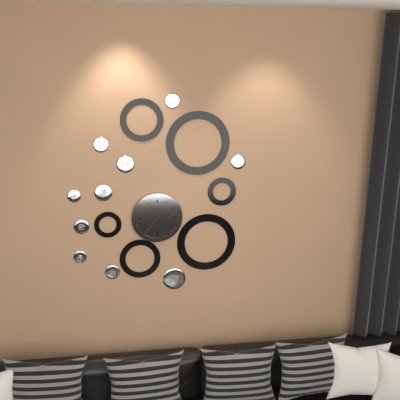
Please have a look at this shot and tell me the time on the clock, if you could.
2:36
